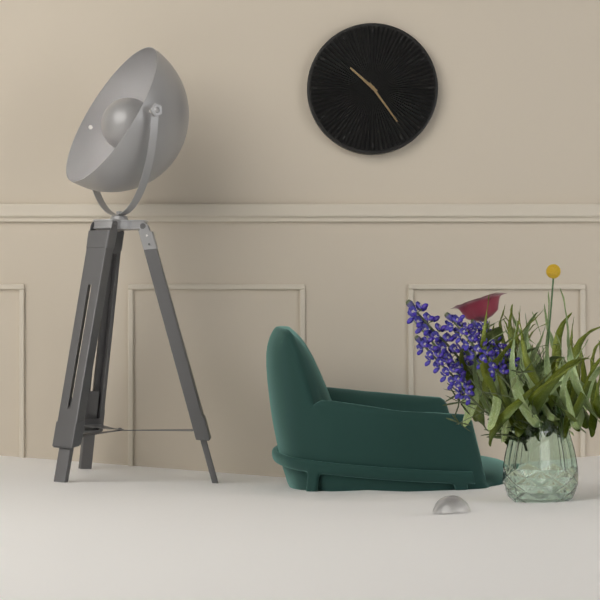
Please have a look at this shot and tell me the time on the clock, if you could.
10:24
